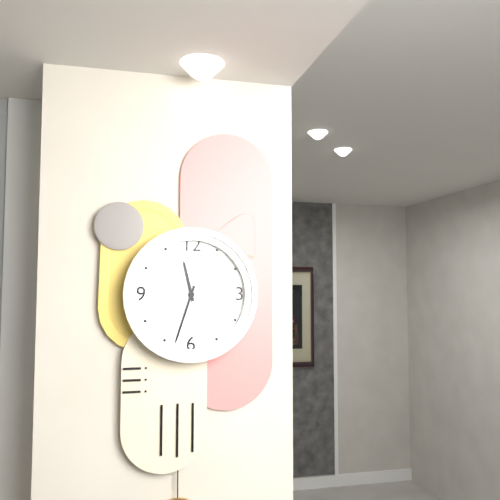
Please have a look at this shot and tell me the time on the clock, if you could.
11:33
